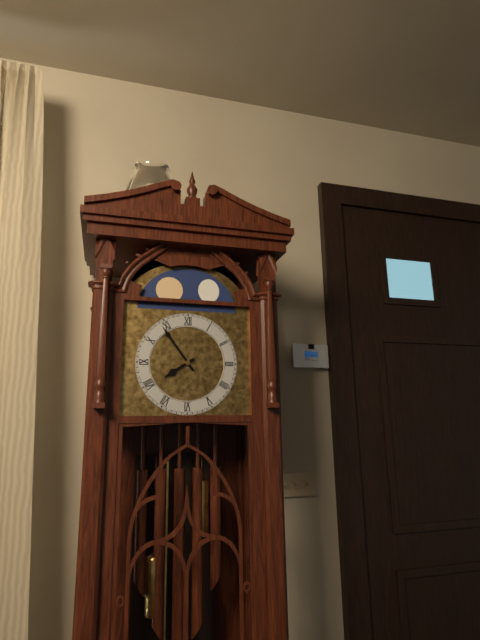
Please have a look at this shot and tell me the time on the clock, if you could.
7:54
